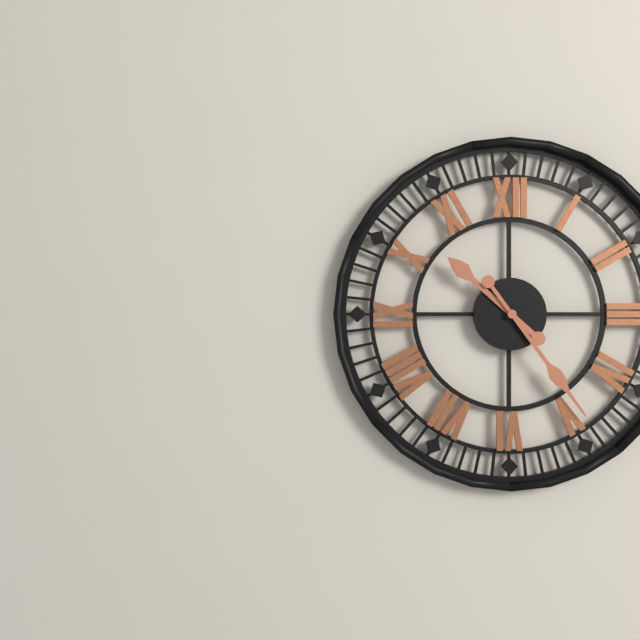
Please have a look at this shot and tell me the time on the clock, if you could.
10:24
